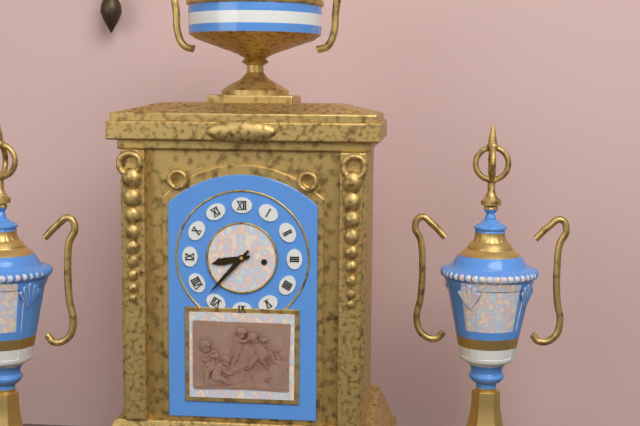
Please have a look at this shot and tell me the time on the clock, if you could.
8:37
